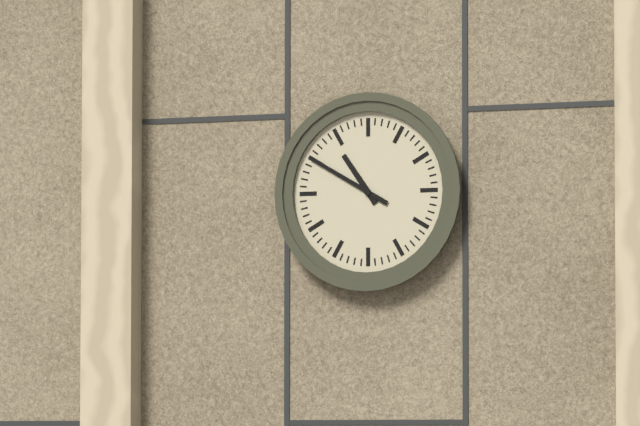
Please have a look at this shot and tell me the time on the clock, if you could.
10:50
